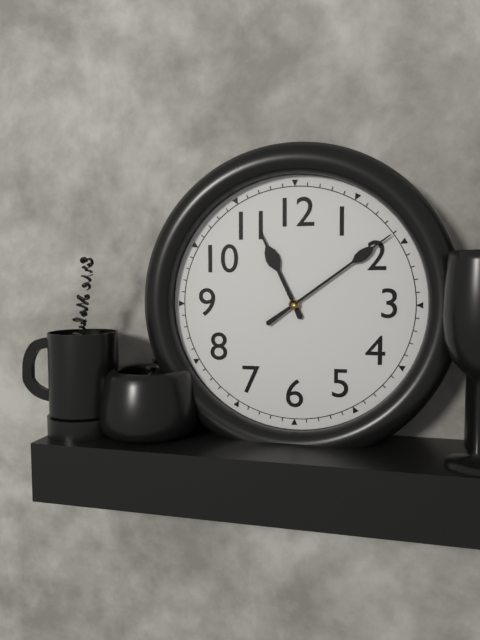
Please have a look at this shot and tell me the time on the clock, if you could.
11:09
